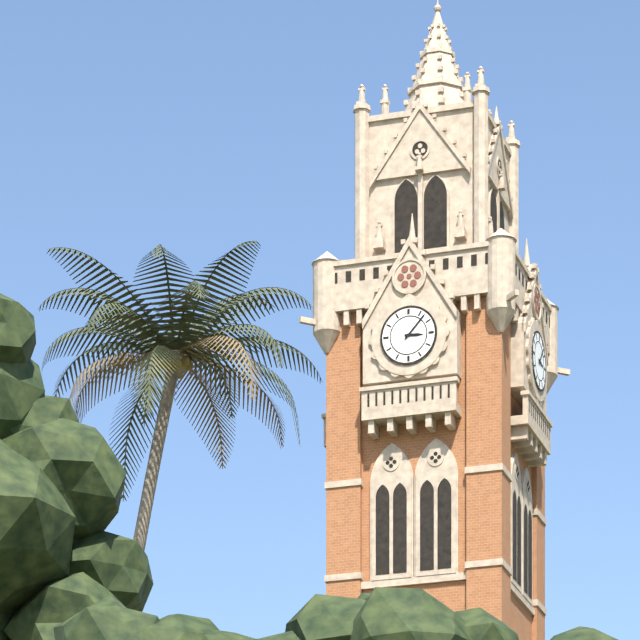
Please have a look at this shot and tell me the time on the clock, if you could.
3:07
